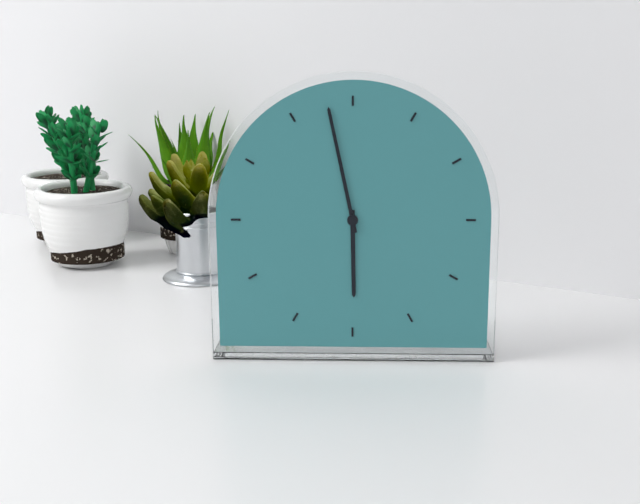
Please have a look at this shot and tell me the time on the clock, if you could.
5:58
